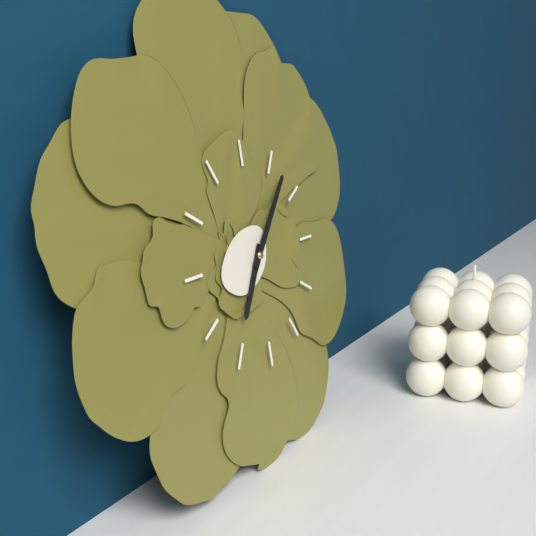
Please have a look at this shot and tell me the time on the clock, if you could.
7:07
